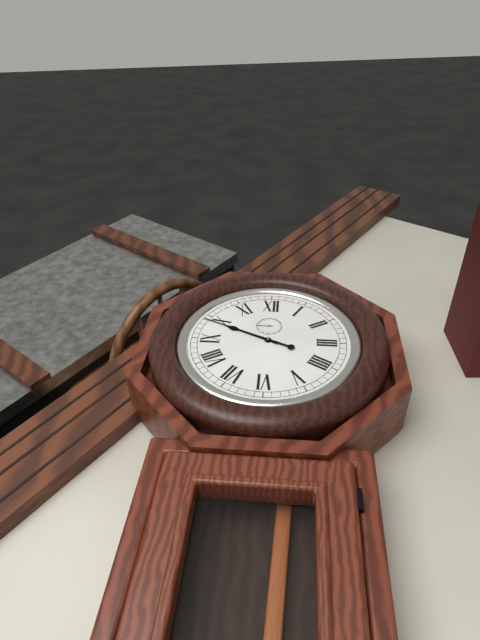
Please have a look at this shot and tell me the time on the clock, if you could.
9:49
